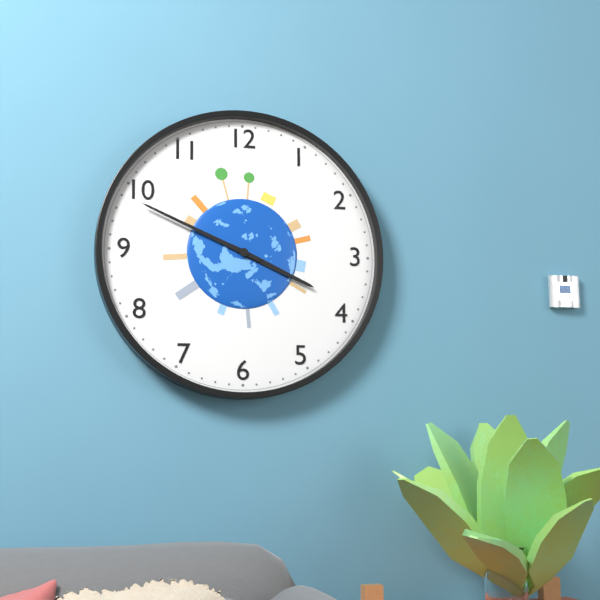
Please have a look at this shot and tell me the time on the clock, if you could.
3:49
